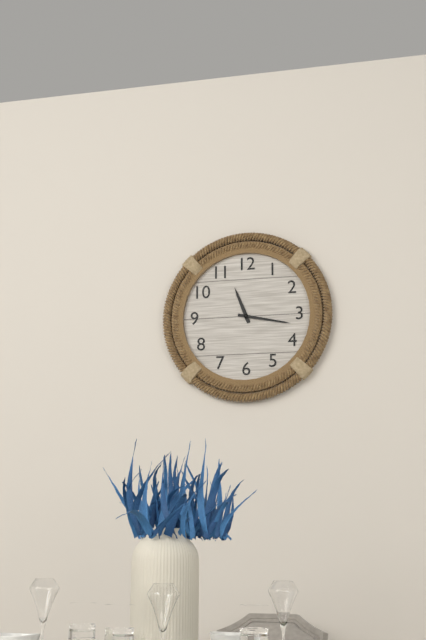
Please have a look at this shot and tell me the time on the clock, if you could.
11:17
